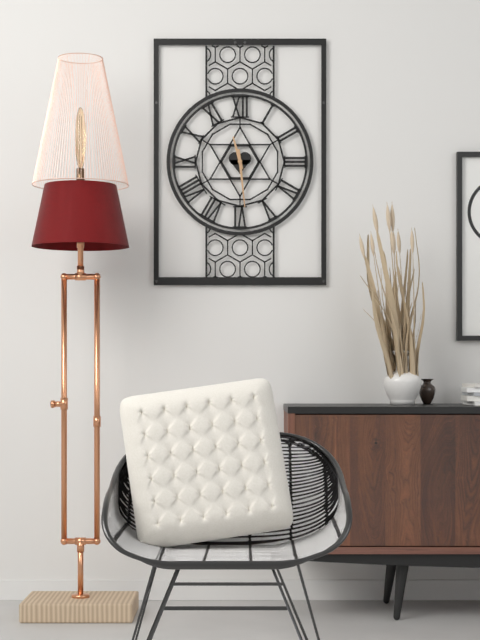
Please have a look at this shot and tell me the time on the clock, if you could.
11:29
